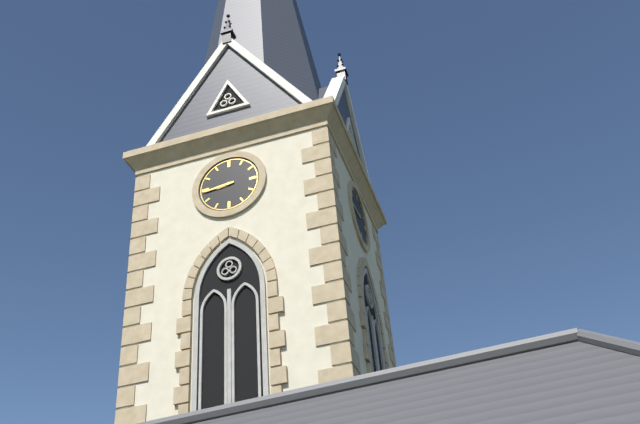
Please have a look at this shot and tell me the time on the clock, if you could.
8:44
